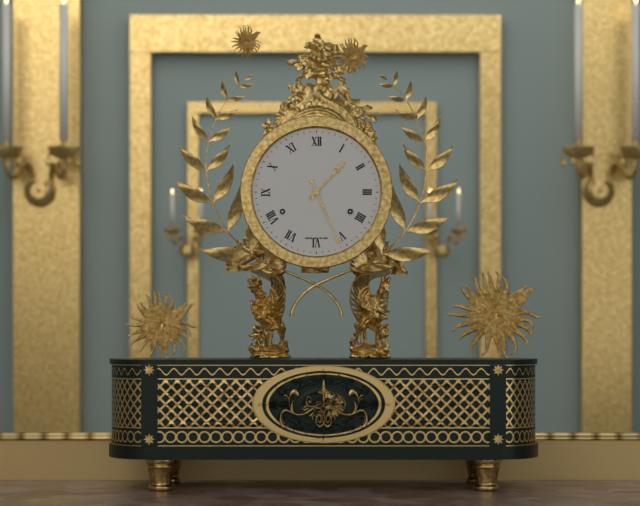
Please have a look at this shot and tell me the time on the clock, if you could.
1:26
